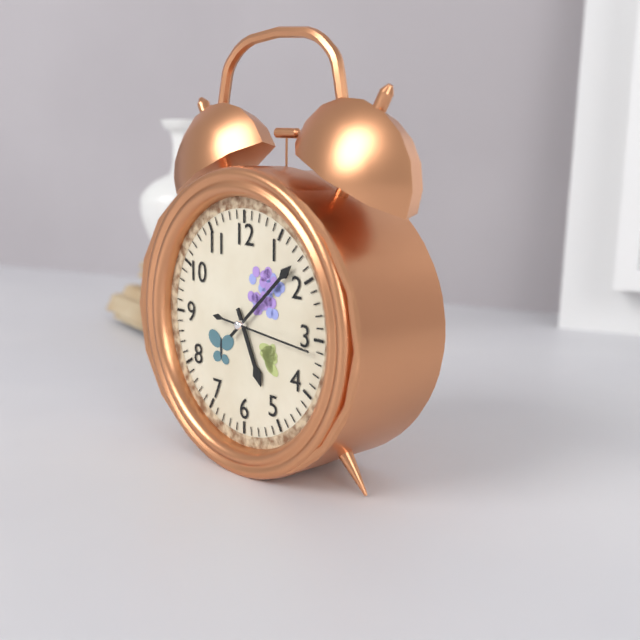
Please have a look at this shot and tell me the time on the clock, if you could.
5:08:16
